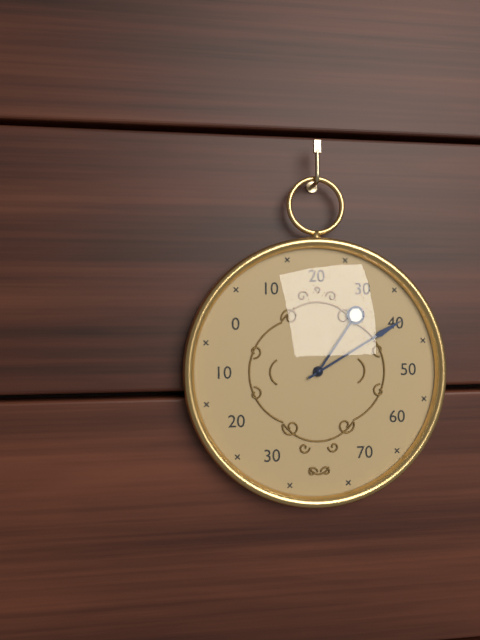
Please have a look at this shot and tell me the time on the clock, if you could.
1:10
